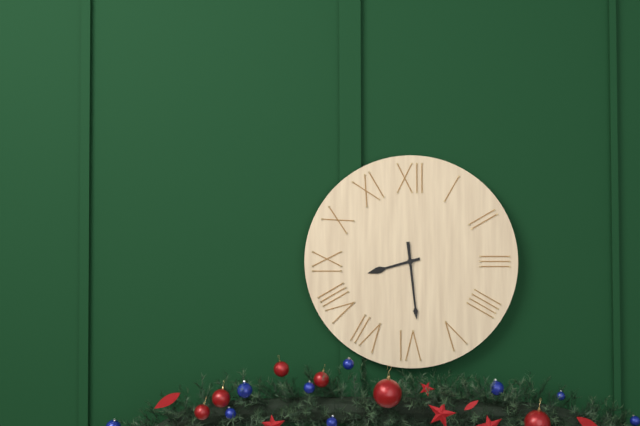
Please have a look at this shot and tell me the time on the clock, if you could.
8:29
